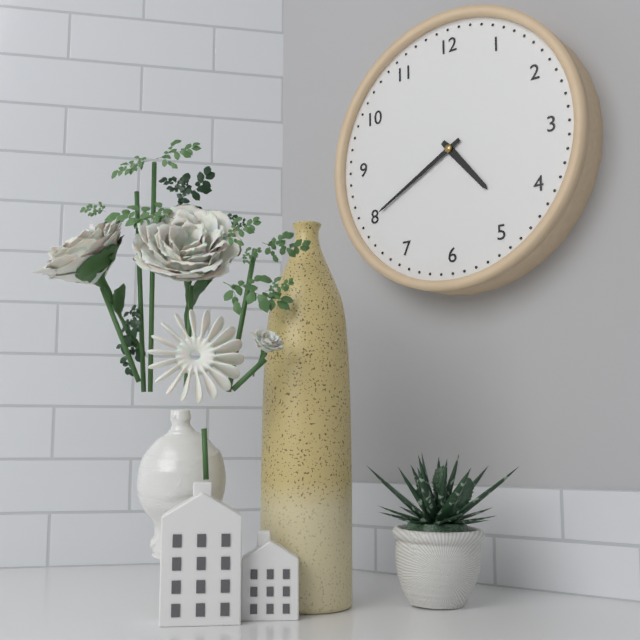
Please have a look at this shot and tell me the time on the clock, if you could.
4:40
